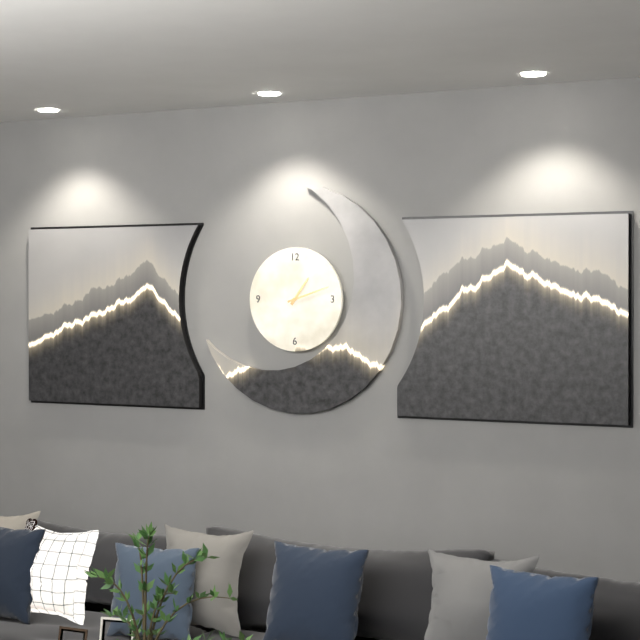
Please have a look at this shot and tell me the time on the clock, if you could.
1:12
